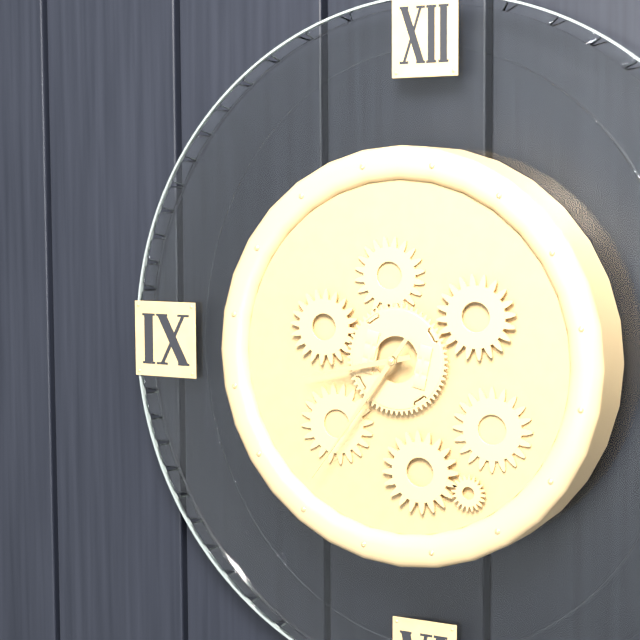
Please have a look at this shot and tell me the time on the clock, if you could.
8:36
